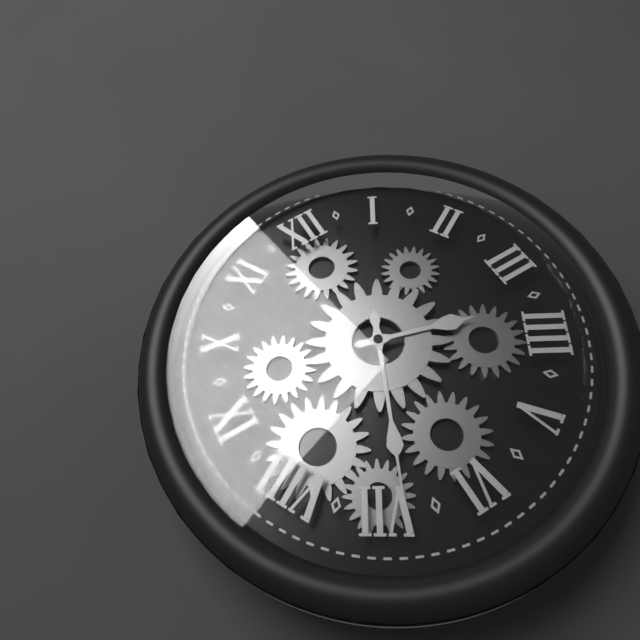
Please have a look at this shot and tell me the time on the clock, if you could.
3:34
